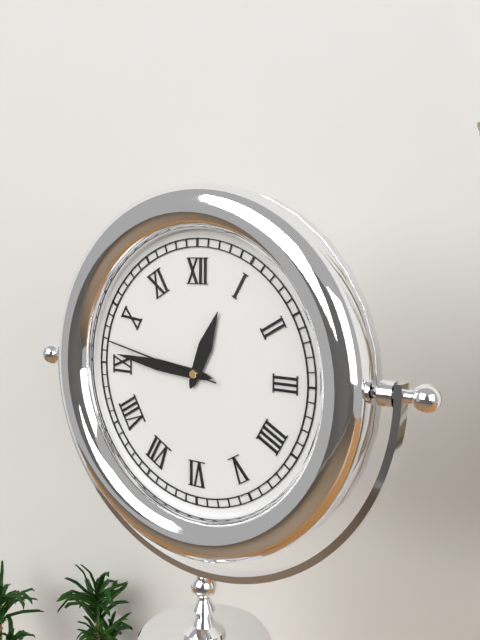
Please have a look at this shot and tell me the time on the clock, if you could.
12:46:47
